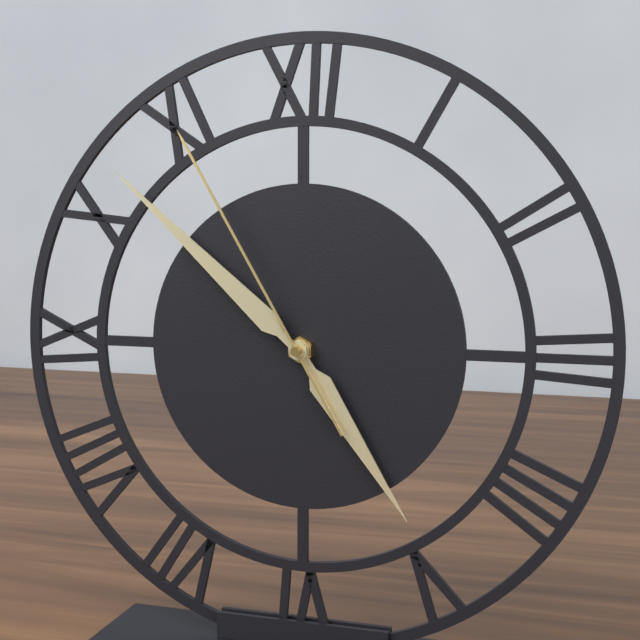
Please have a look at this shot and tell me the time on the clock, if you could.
4:52:55
